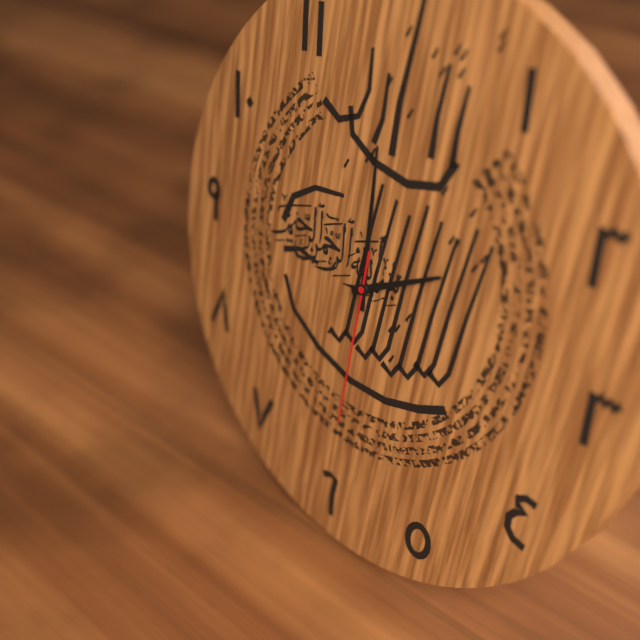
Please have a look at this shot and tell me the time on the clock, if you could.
1:59:30
